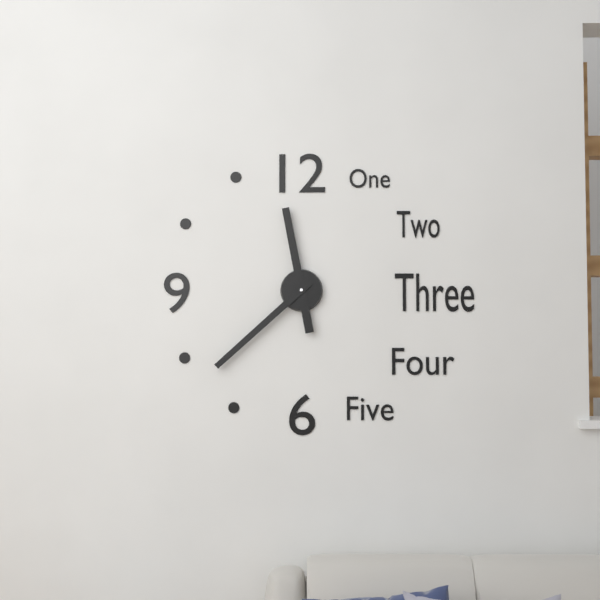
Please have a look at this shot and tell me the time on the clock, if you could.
11:38
